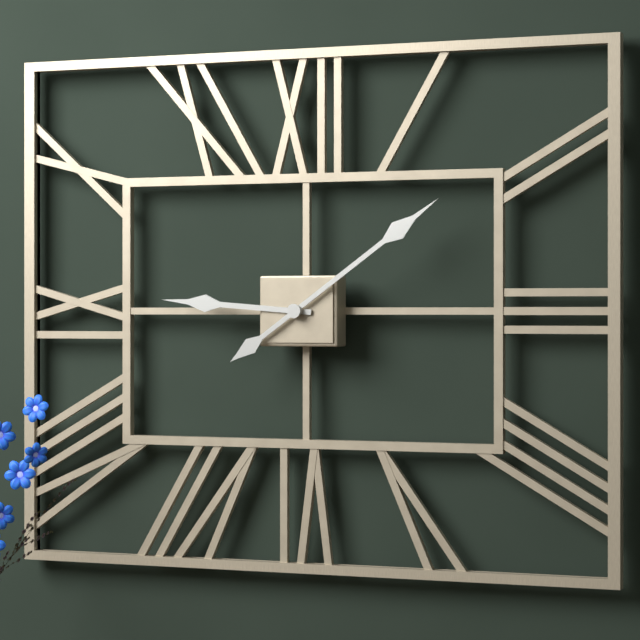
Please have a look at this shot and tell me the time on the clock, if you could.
9:09
